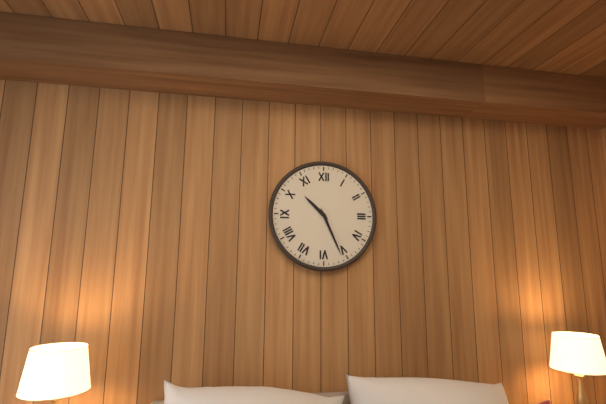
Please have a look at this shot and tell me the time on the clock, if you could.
10:26
